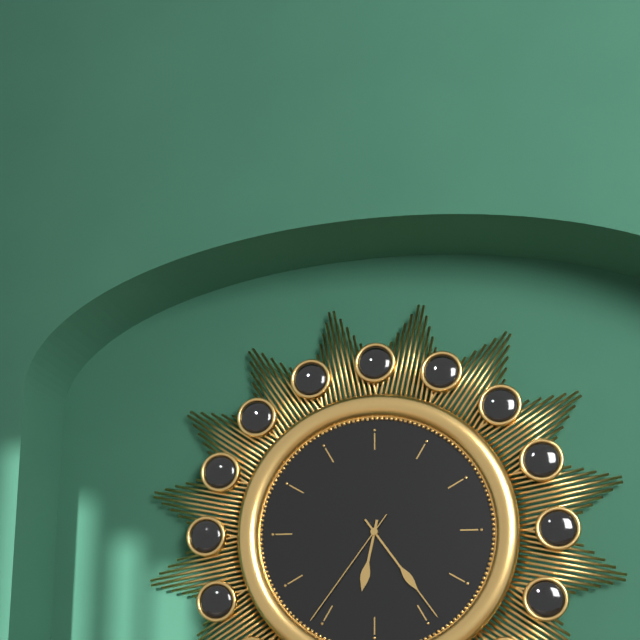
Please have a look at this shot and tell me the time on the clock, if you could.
6:24:36
